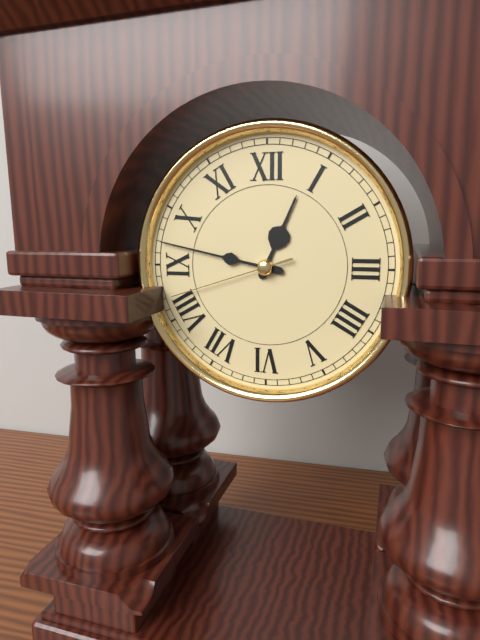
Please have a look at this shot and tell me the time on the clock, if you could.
12:47:42
